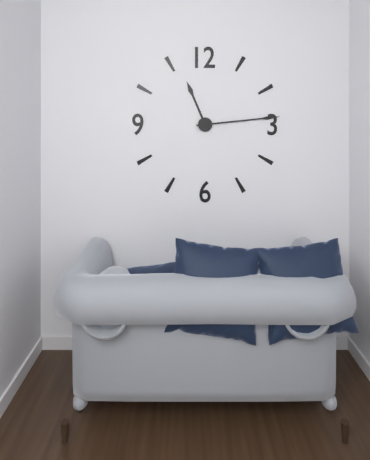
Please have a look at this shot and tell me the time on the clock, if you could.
11:14
